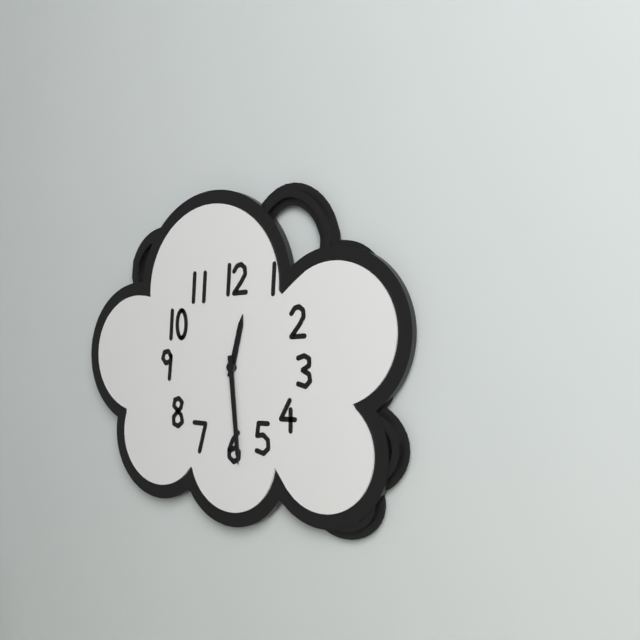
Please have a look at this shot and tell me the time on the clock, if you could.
12:29
